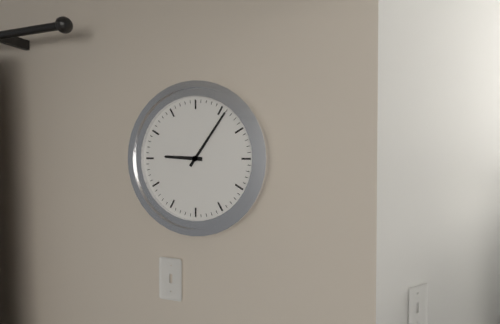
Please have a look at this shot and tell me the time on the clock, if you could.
9:06
